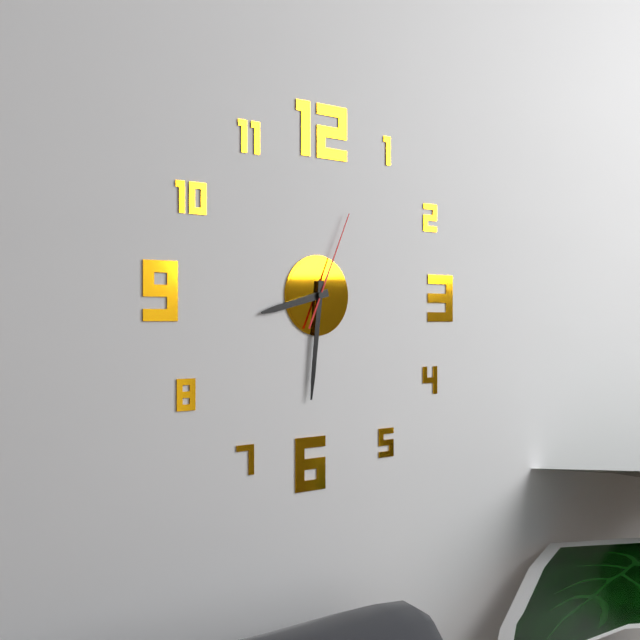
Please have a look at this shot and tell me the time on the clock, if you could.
8:31:04
